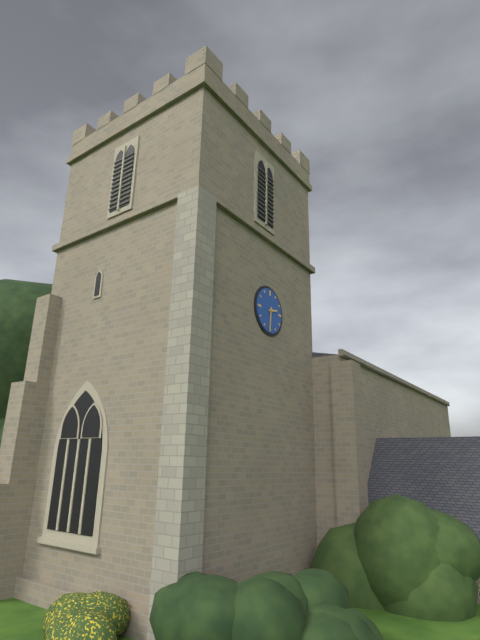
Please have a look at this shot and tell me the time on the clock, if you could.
2:31
